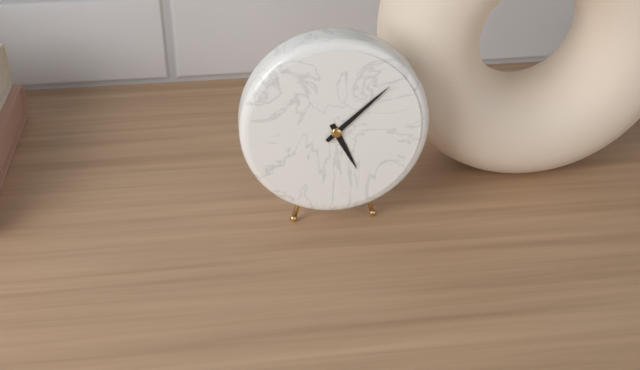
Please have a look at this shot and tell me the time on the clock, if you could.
5:08
